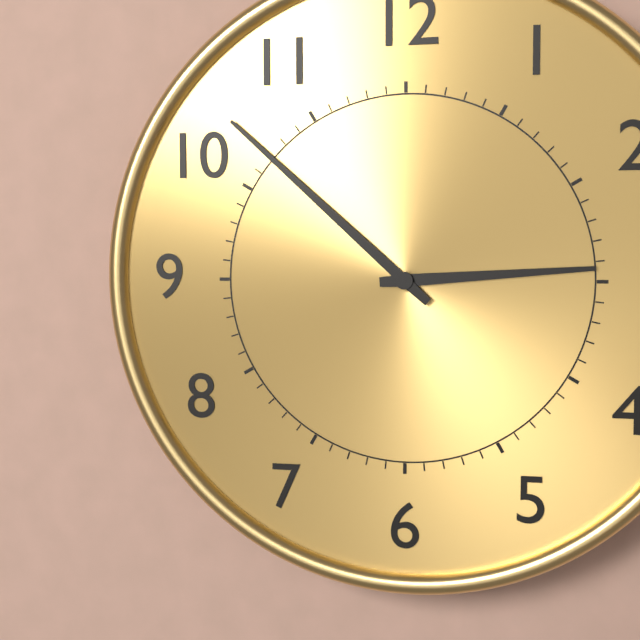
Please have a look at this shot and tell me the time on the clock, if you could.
2:52
